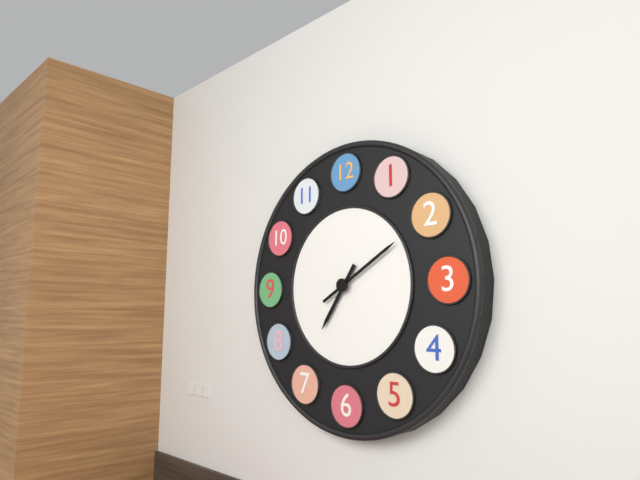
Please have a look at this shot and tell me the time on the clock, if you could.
7:10
